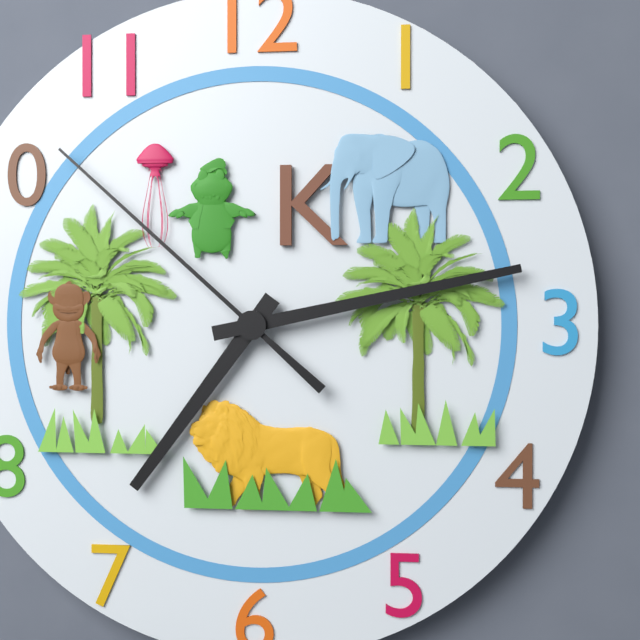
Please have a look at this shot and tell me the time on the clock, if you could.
7:13:52
